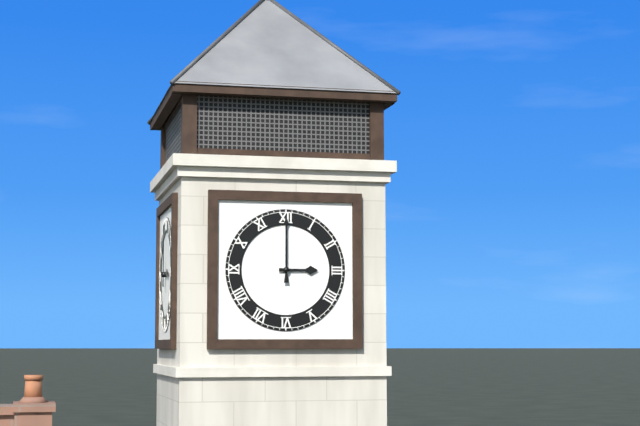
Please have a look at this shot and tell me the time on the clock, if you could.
3:00
